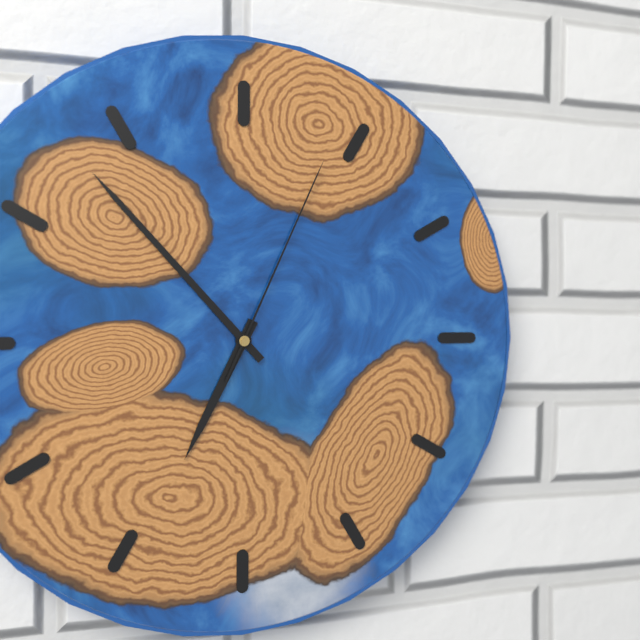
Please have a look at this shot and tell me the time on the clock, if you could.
6:53:04
